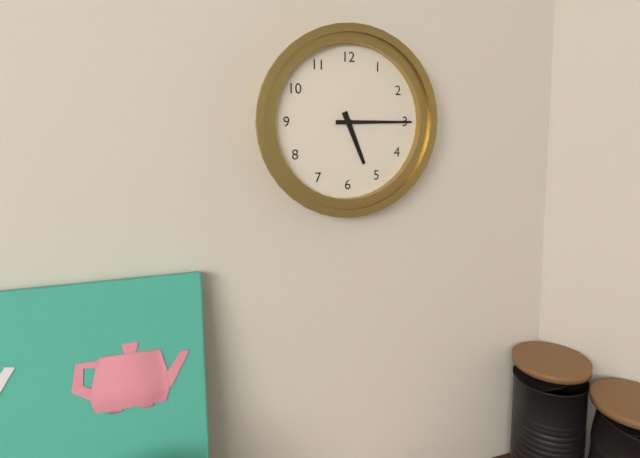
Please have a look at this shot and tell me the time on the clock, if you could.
5:15
